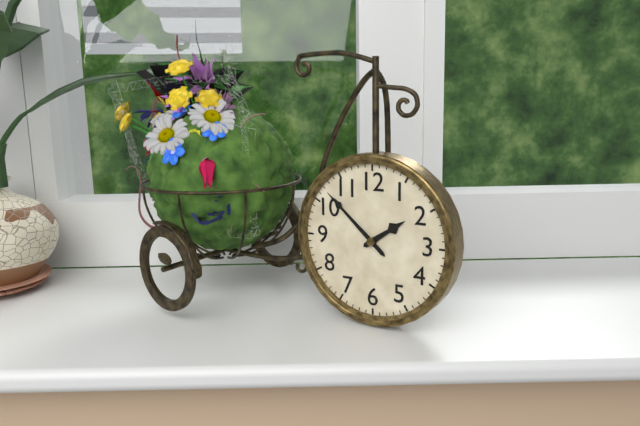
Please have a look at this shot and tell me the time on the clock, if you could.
1:52
